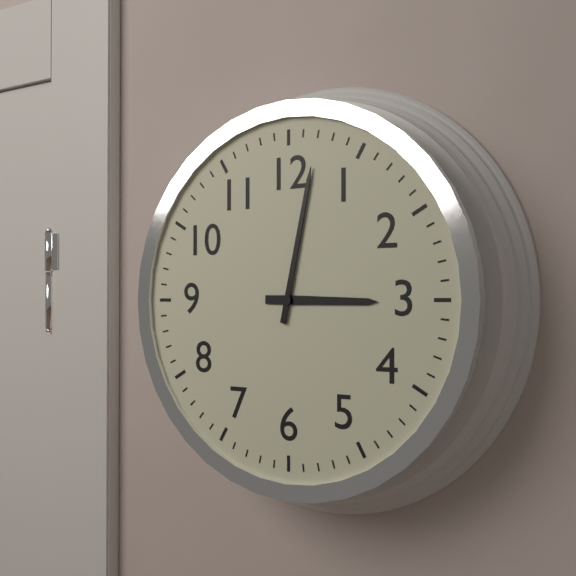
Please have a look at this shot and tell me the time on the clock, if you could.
3:02
